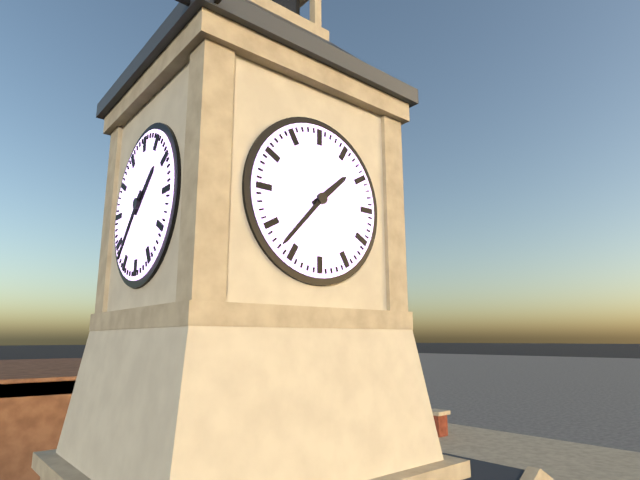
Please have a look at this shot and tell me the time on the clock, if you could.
1:37
